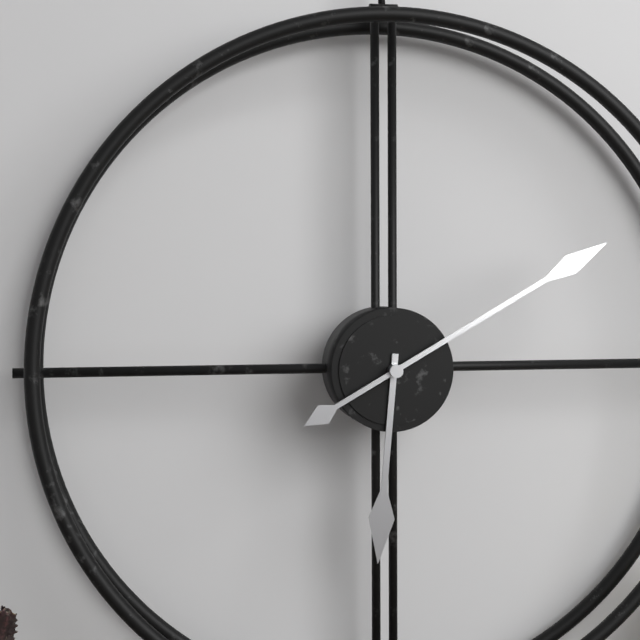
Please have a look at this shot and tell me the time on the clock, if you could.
6:10
